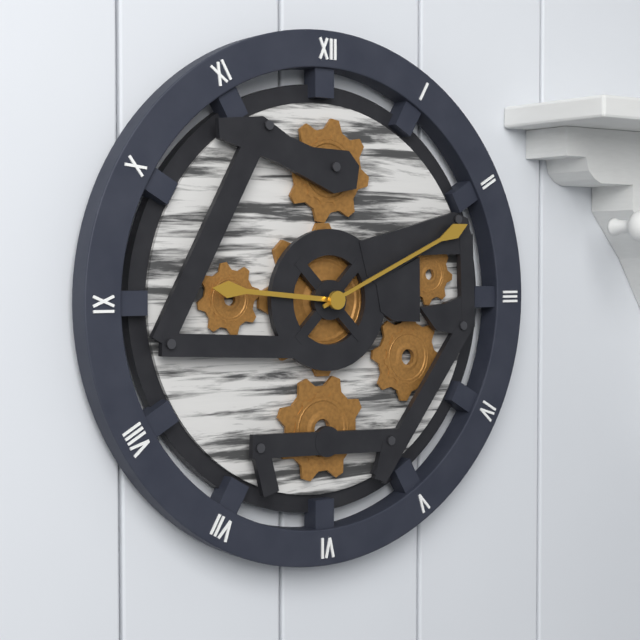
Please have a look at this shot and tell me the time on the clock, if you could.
9:11
